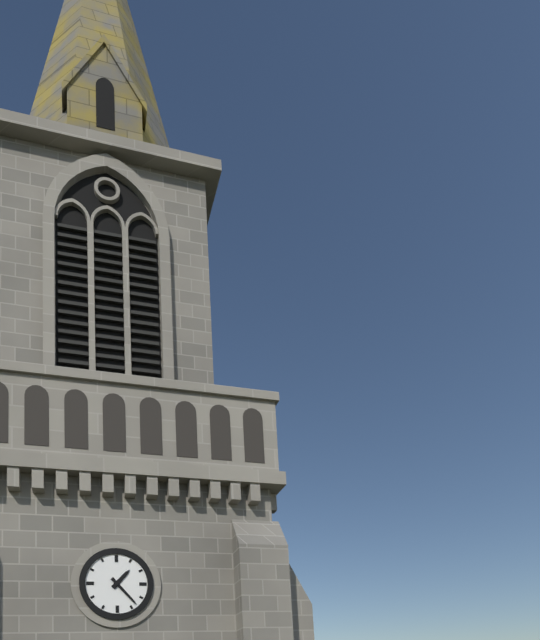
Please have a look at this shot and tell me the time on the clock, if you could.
1:23
